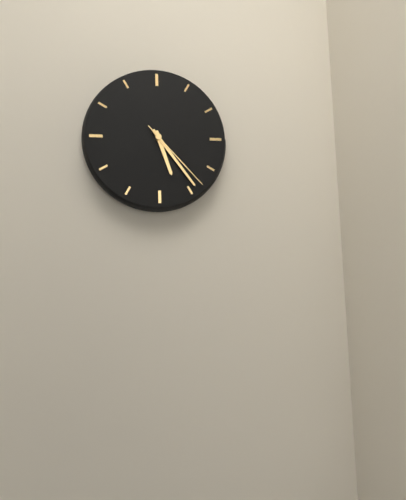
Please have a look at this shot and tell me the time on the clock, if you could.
5:24:23
